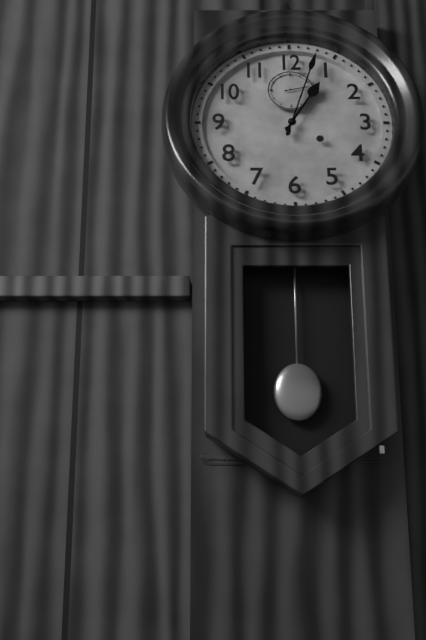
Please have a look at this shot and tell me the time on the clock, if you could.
1:03
